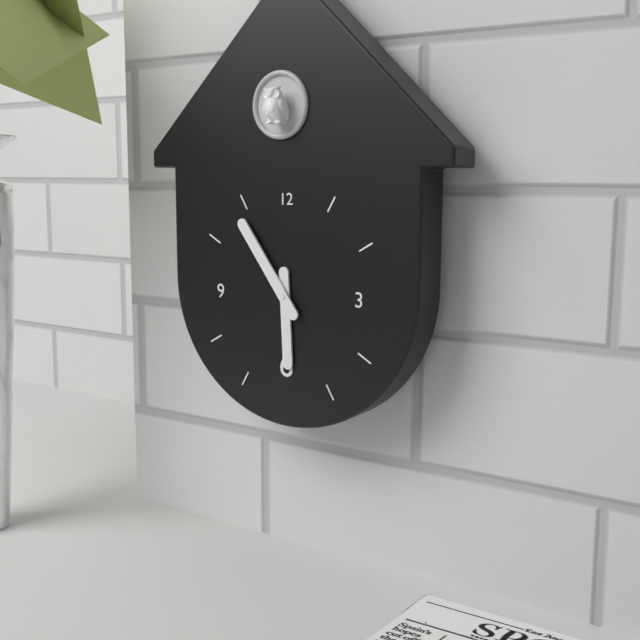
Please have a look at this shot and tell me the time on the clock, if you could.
5:54
